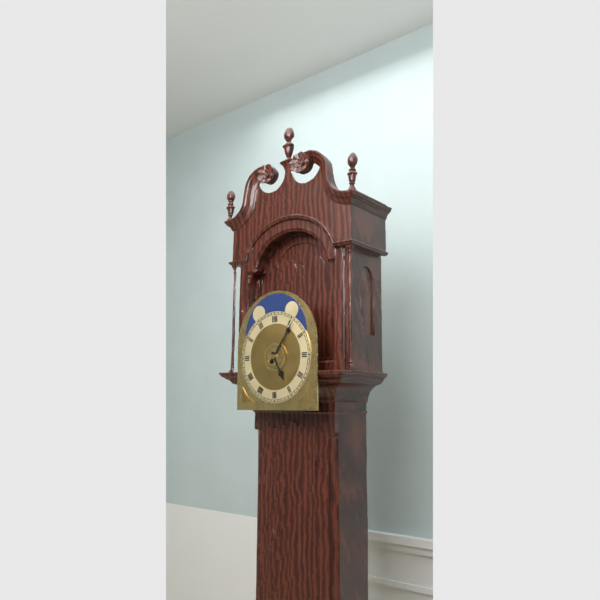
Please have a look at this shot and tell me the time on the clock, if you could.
5:06
